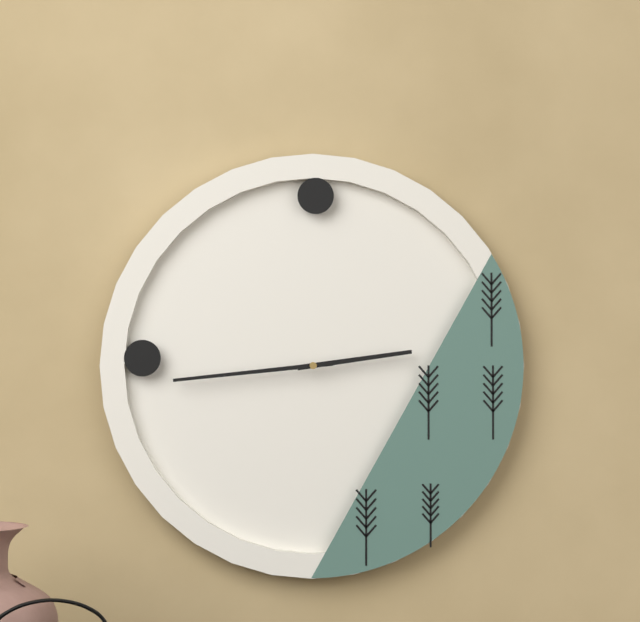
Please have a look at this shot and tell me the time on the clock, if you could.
2:44
